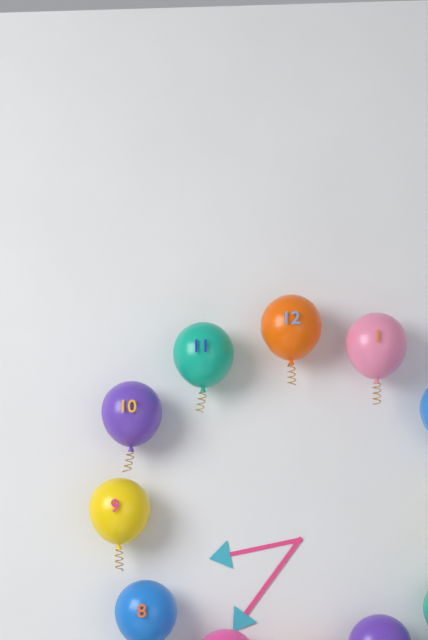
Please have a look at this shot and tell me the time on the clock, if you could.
8:36
